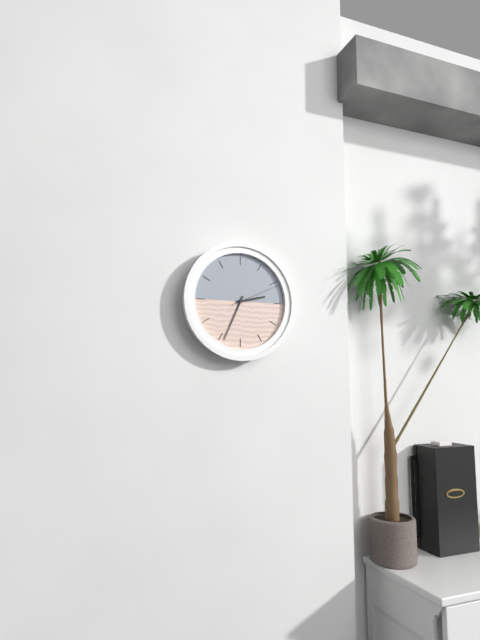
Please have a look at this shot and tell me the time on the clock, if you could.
2:34:11
